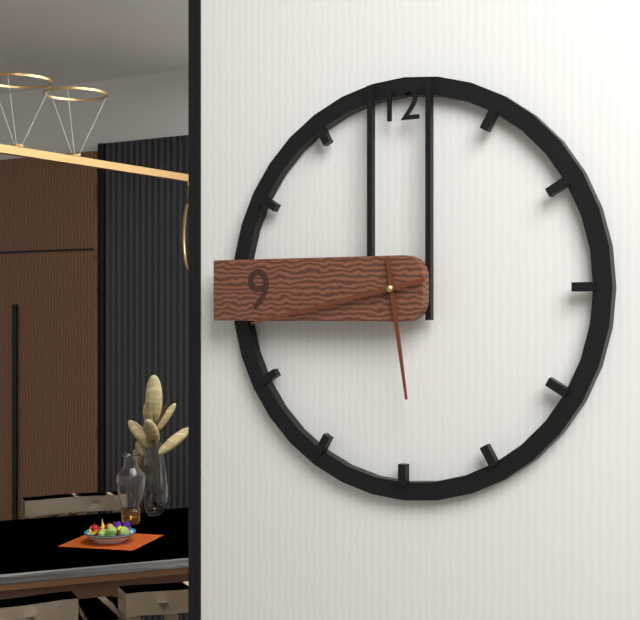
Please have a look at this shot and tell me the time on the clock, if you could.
5:43
